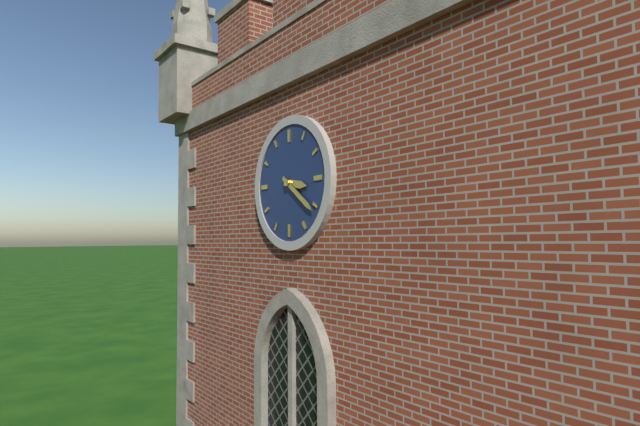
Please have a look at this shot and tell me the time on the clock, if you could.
3:21
